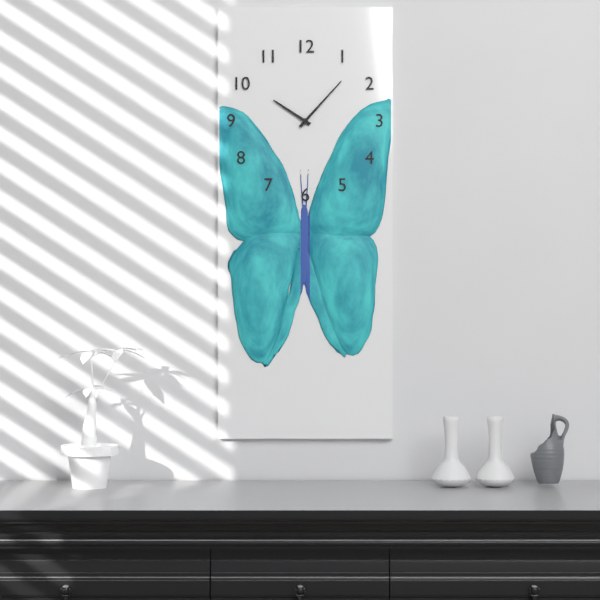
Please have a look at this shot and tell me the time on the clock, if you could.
10:07
